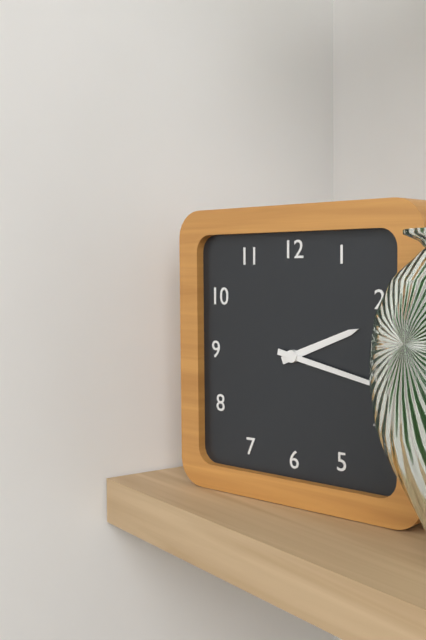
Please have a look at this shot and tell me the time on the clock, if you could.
2:17
